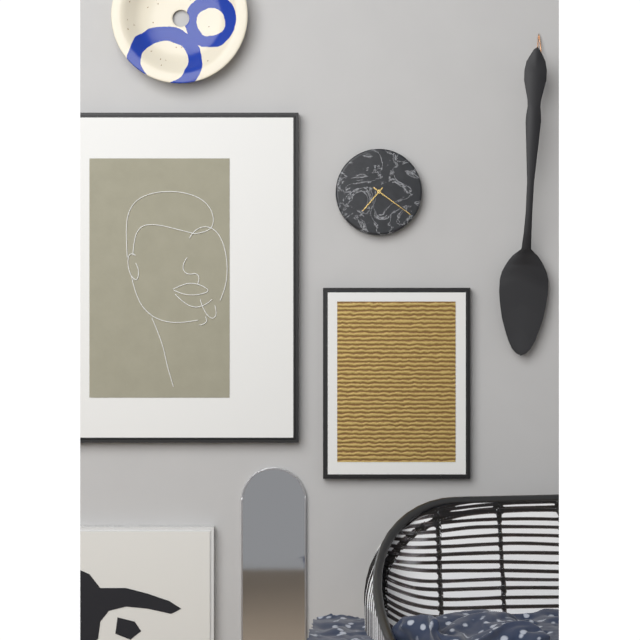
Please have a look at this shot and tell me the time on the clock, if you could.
7:21
